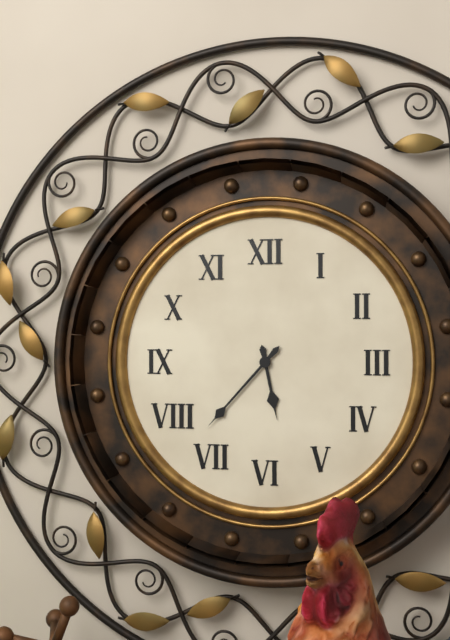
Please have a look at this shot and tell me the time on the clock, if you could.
5:37
